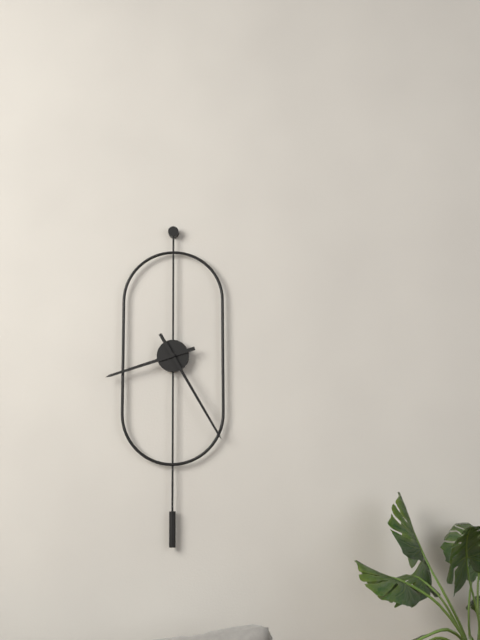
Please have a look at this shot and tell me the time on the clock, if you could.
8:25
